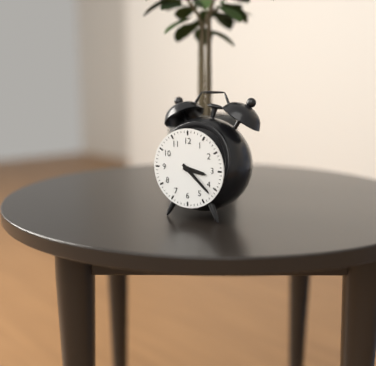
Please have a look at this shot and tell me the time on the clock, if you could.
3:22
